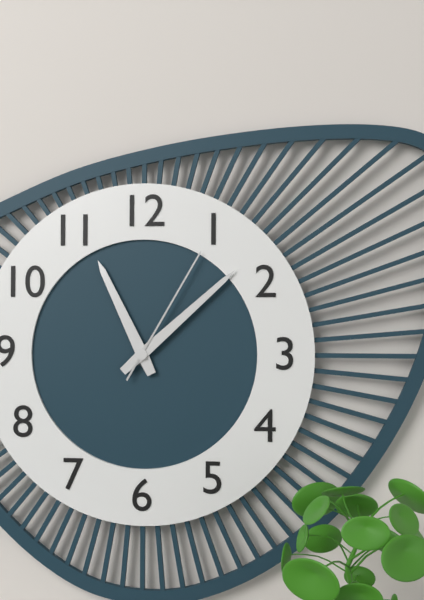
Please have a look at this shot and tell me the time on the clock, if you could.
11:08:05
